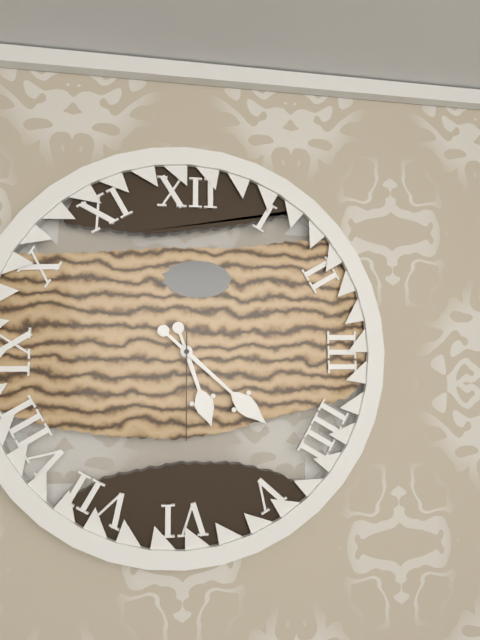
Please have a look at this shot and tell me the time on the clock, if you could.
5:22:30
